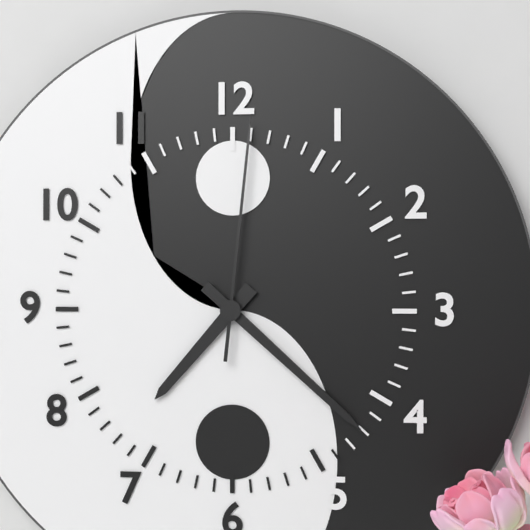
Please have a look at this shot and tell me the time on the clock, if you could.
7:22:01
